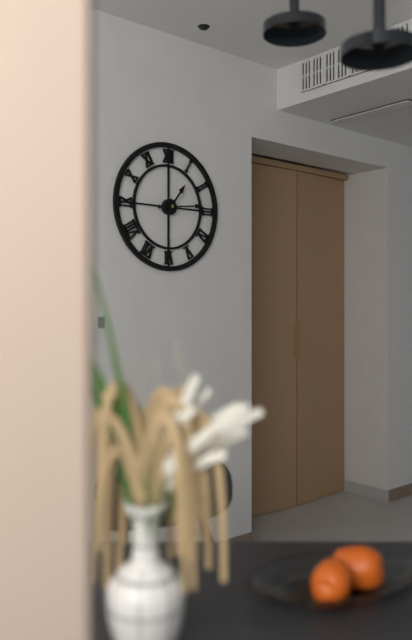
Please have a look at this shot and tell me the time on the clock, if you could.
1:14
